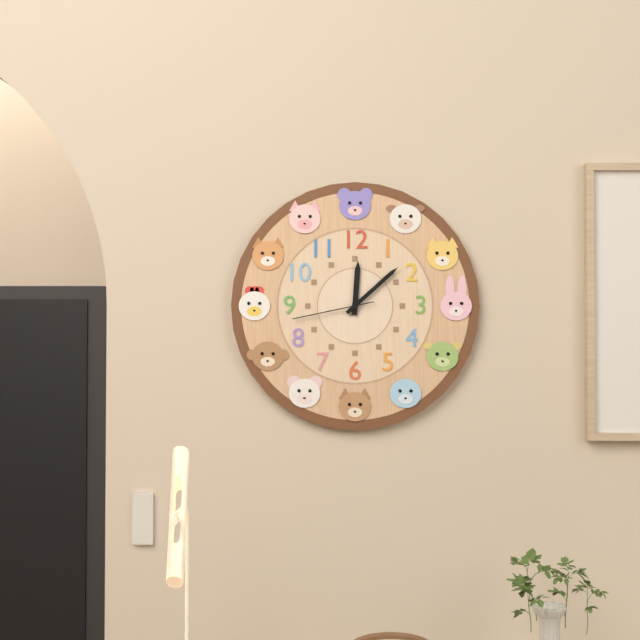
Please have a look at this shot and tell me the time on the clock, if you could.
12:08:43
